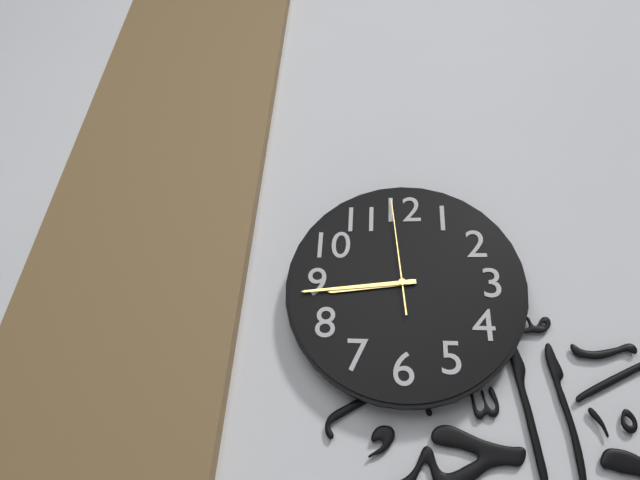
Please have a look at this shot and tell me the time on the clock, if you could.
8:44:59
